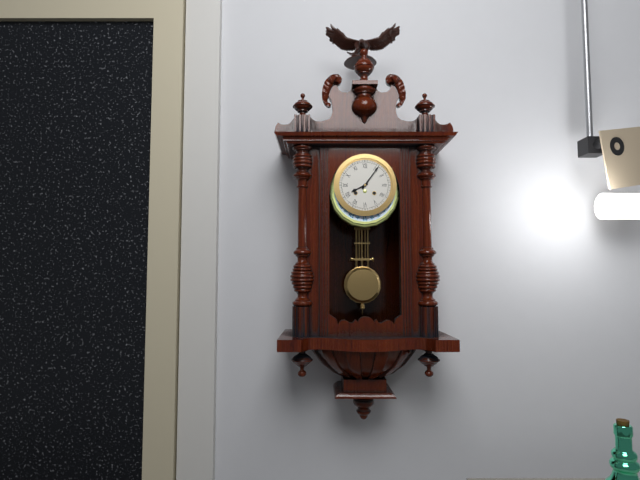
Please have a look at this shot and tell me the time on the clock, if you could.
8:06
